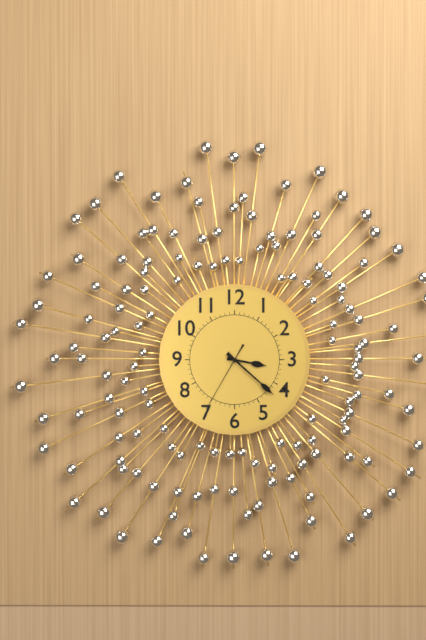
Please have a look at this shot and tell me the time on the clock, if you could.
3:22:35
